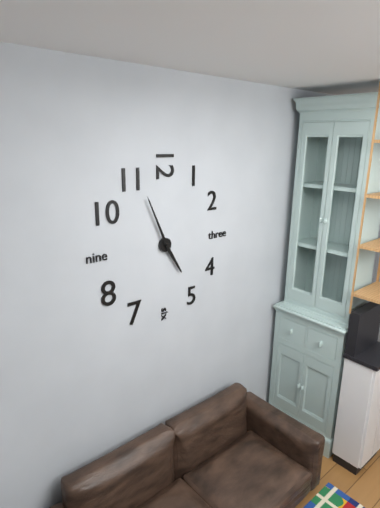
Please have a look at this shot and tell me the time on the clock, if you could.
4:56
